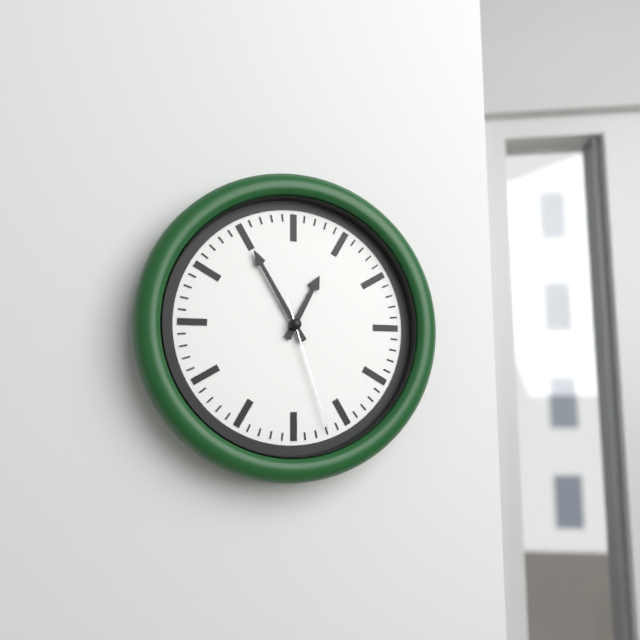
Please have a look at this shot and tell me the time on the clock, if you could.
12:55:27
